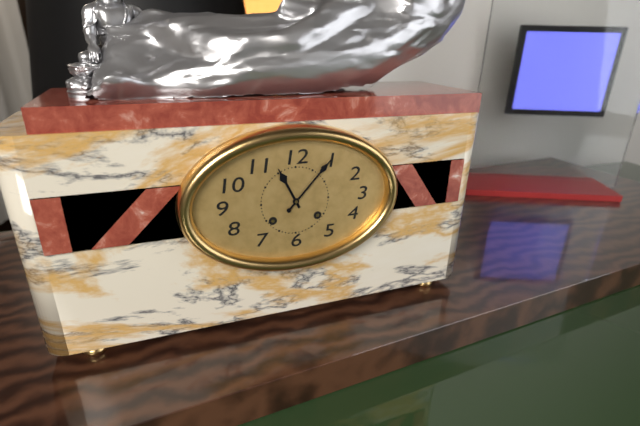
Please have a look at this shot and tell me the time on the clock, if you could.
11:07
